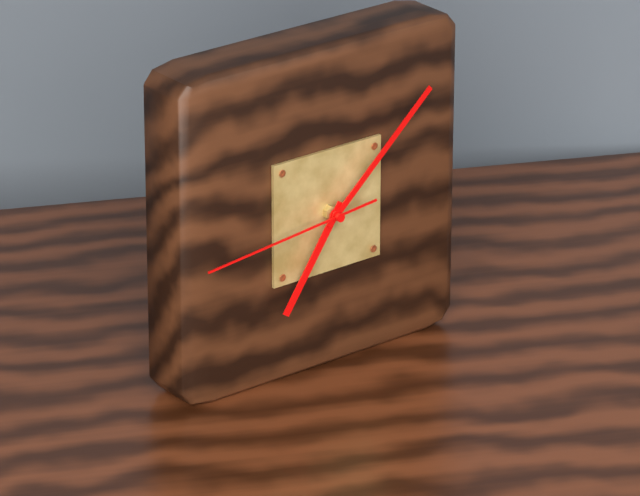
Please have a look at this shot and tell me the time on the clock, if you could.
7:08:44
